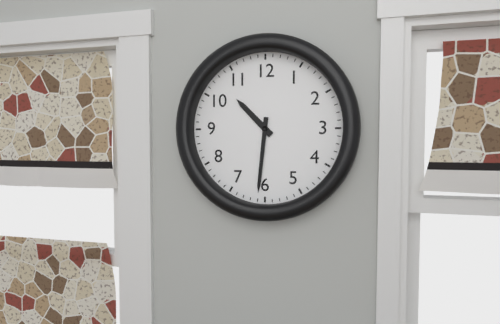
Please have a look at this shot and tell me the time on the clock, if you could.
10:31
